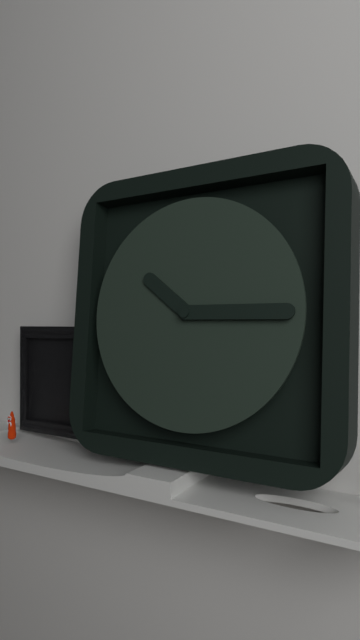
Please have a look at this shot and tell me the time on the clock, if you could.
10:15
